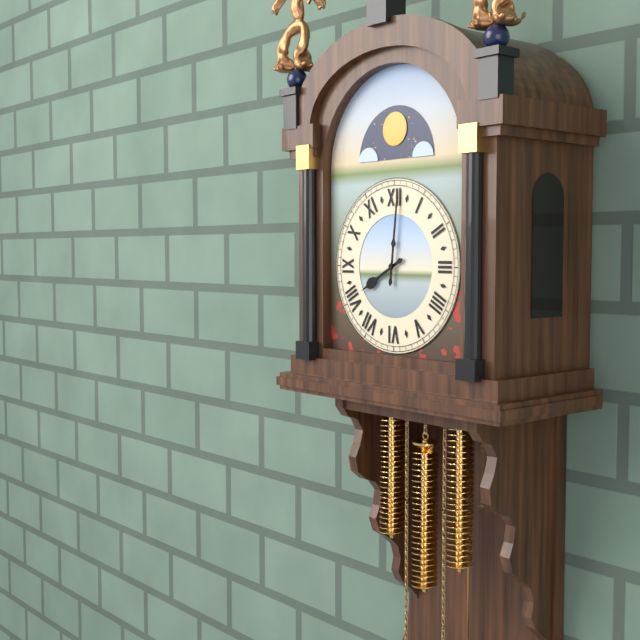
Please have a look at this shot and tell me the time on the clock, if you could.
8:01
